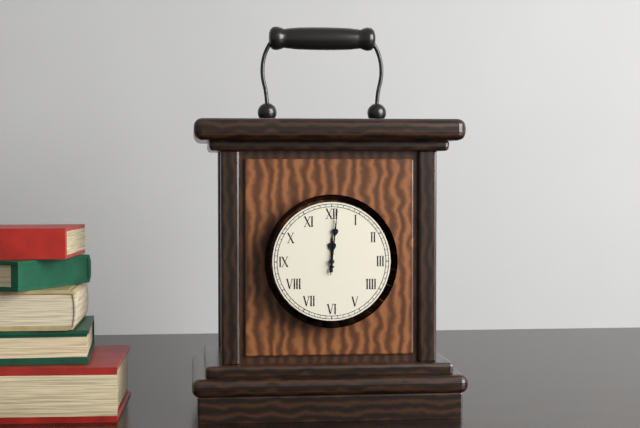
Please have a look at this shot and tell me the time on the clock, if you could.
12:01:01
